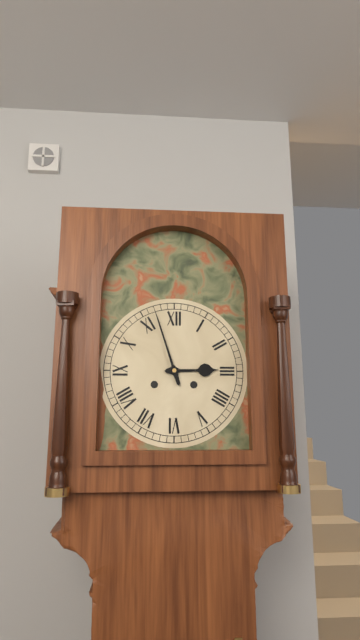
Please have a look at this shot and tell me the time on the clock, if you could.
2:57
